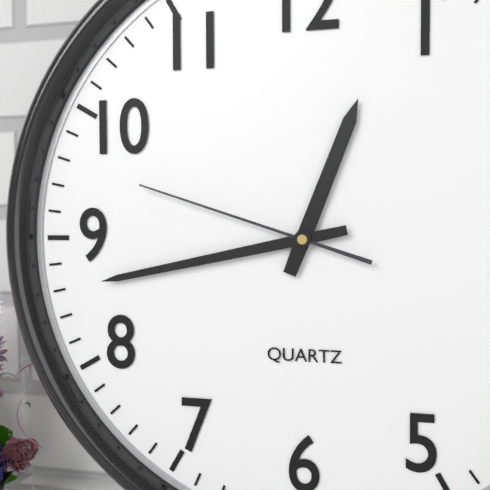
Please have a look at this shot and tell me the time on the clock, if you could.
12:43:48
